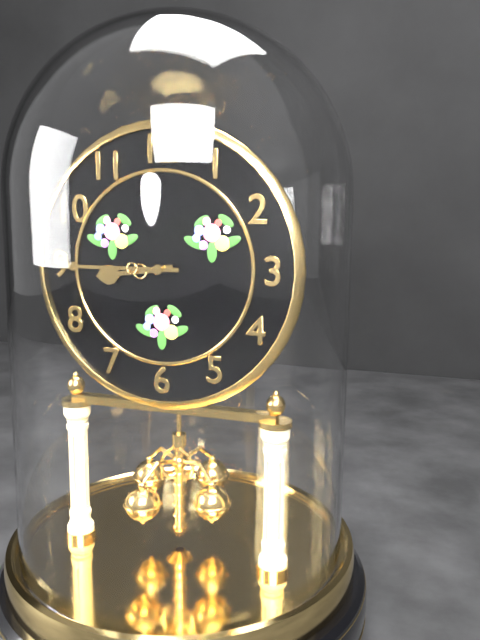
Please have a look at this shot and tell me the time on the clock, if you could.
8:45
